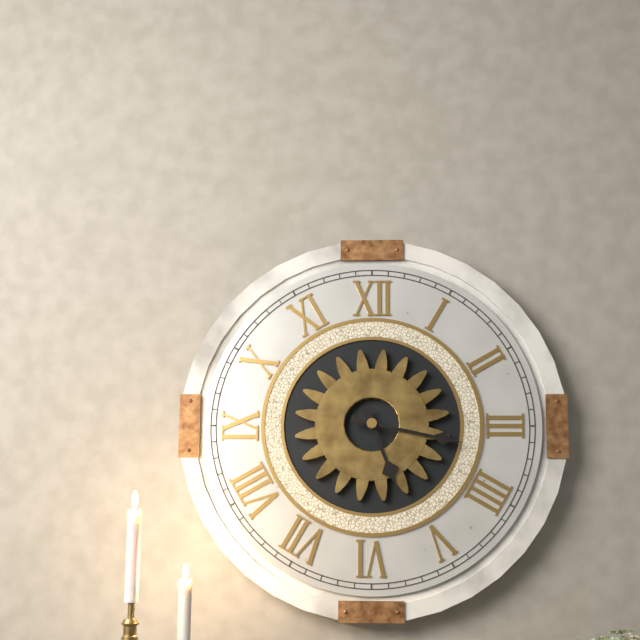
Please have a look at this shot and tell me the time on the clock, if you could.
5:17
